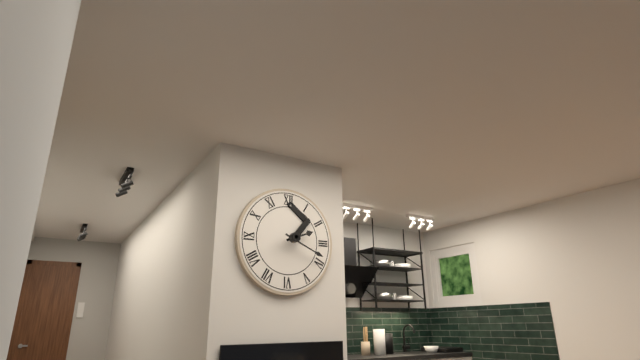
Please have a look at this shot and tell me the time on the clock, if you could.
2:19
